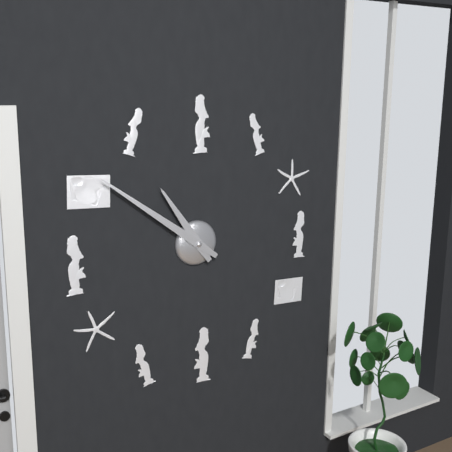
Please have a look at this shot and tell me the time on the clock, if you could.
10:51
